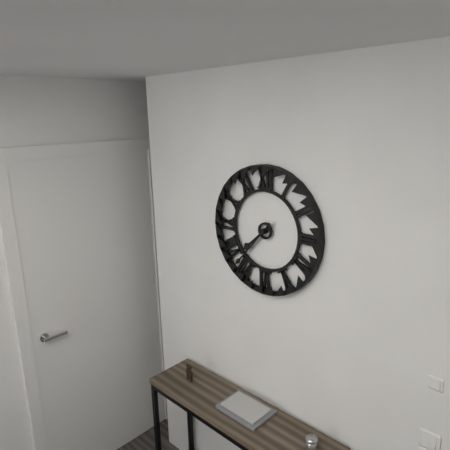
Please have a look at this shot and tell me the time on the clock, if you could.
7:37
